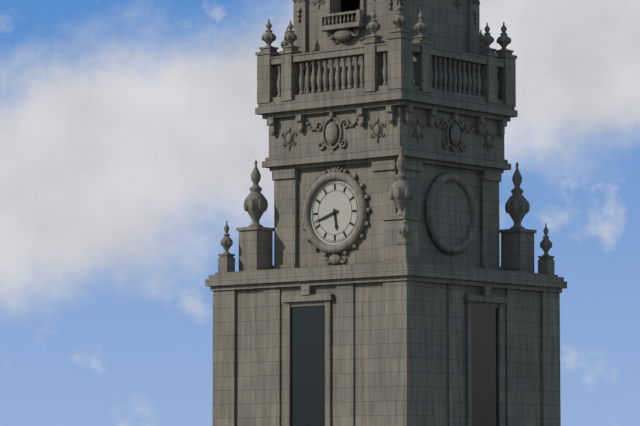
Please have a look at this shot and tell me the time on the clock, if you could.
5:42
